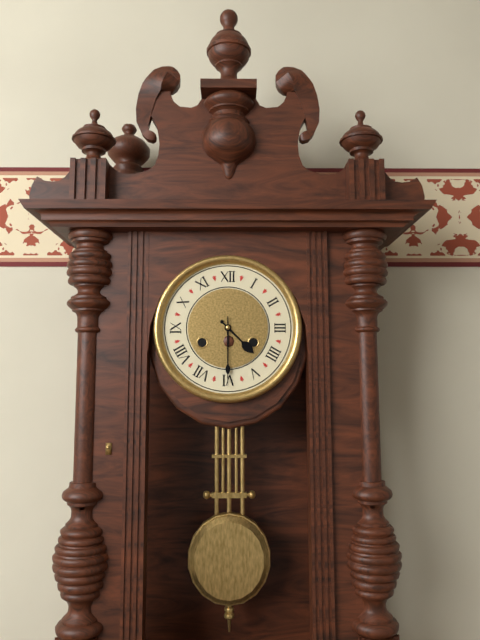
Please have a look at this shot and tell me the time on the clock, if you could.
4:30
